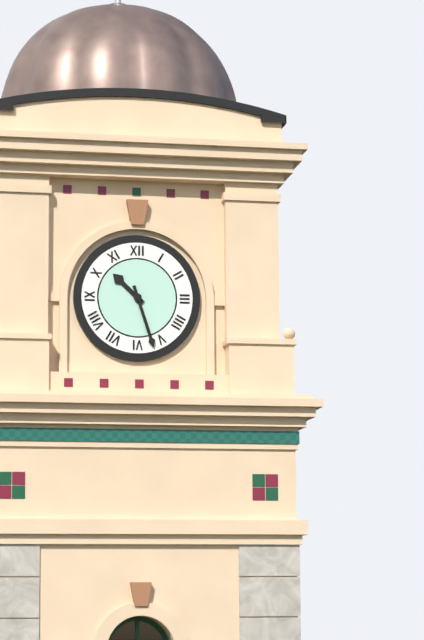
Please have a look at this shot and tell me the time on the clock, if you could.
10:27
